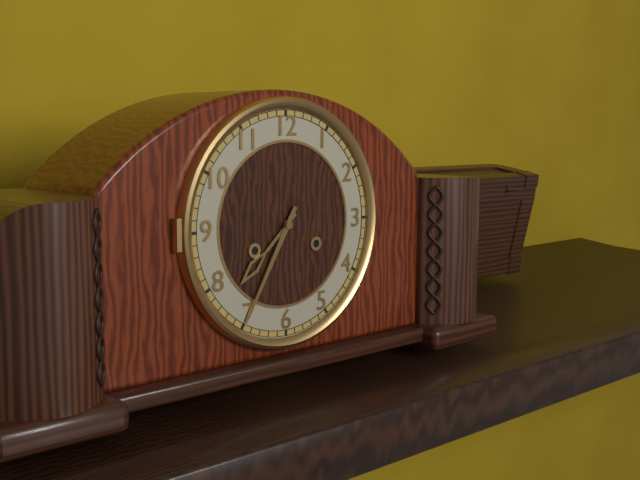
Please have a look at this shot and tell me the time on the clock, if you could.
7:35
